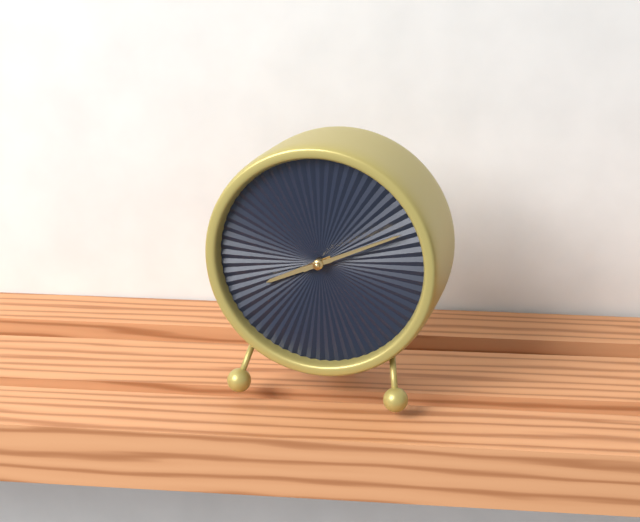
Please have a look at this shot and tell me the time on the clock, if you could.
8:11
